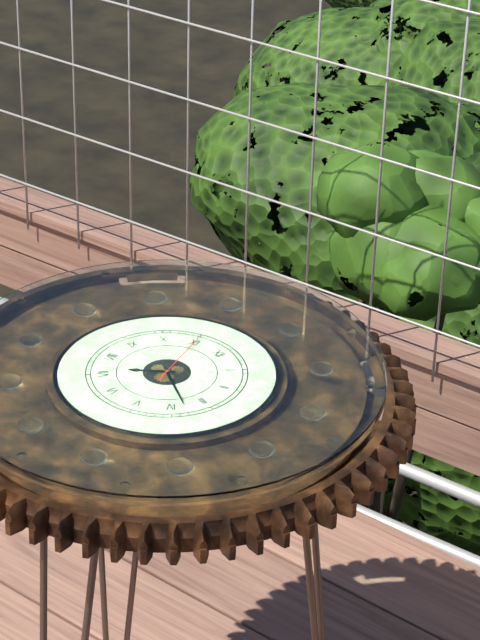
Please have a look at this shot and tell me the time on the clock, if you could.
7:18:55
